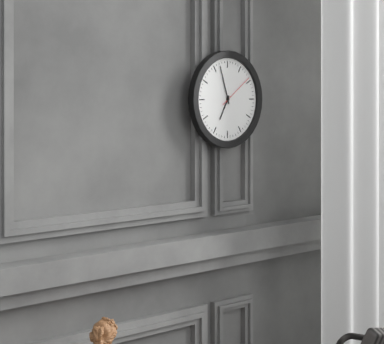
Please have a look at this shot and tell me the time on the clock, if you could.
6:57
